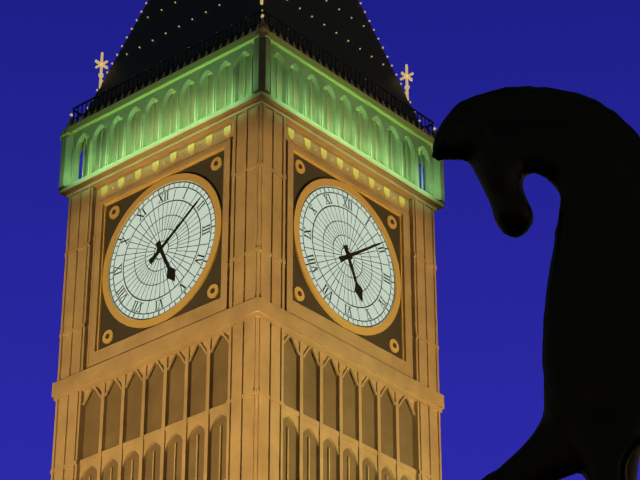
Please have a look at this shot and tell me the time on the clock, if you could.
5:09
